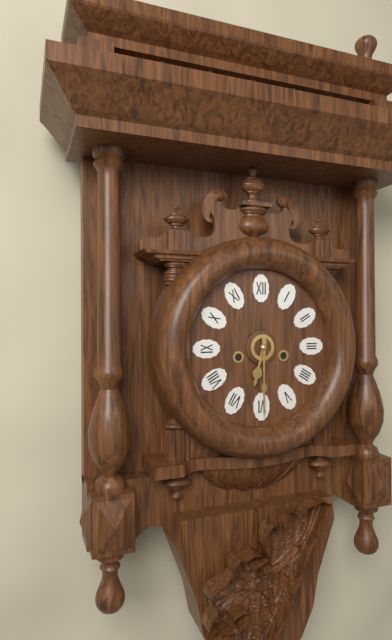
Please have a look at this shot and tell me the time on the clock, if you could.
6:30
